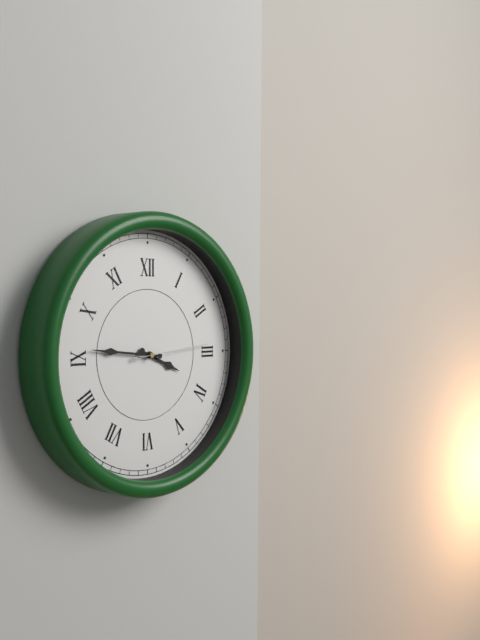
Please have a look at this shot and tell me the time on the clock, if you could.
3:46:14
